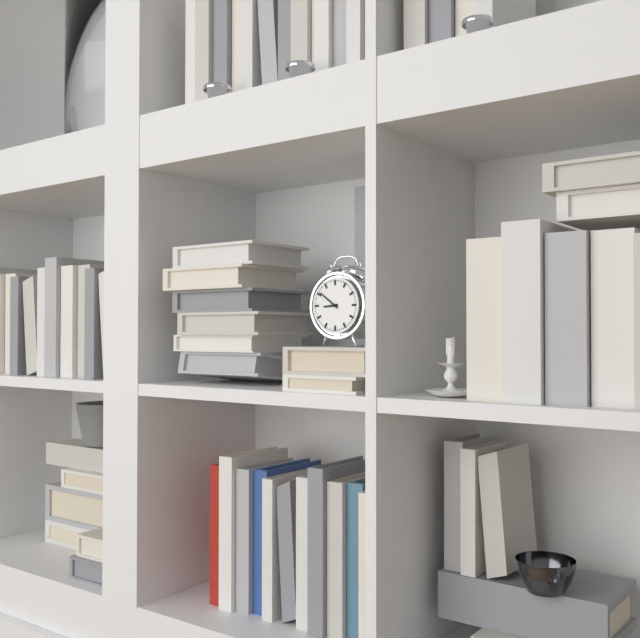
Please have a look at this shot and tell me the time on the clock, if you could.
8:51
